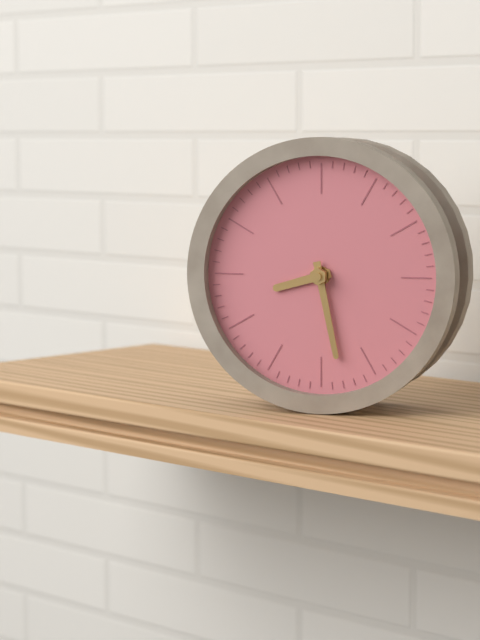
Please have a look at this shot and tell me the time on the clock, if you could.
8:28
